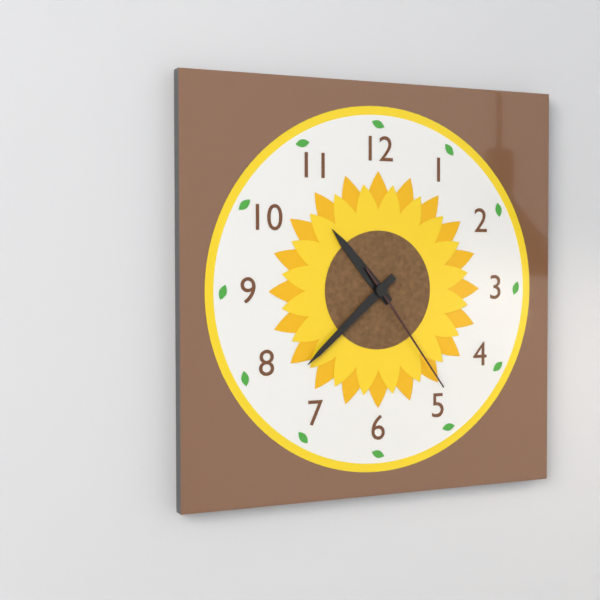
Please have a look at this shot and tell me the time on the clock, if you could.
10:38:24
